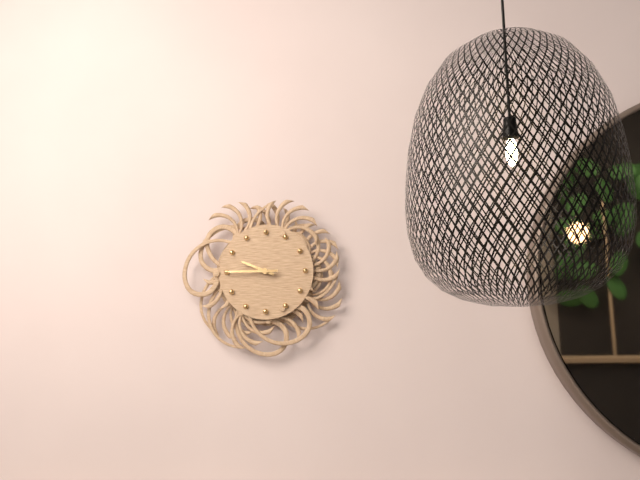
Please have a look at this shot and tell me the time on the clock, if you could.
9:45
